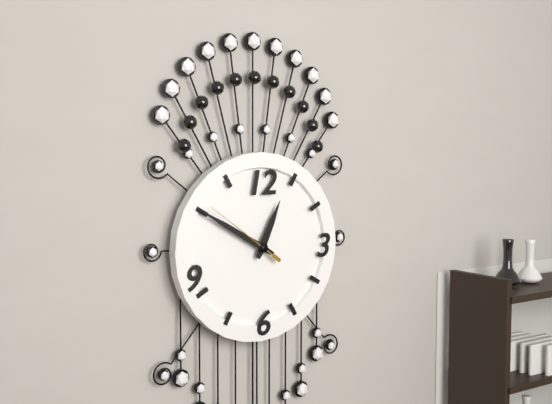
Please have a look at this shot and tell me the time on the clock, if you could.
12:50:51
